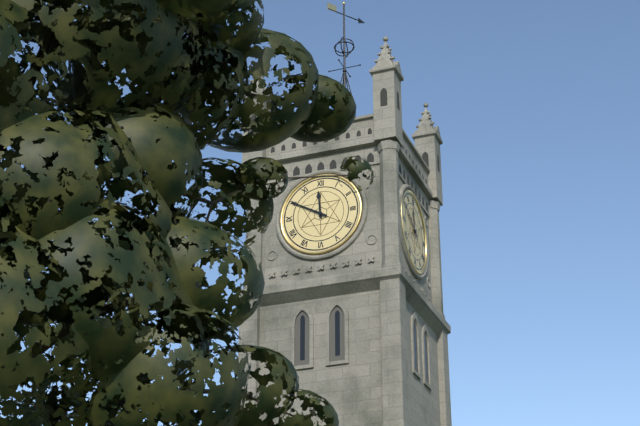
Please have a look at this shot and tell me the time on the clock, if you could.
11:50
